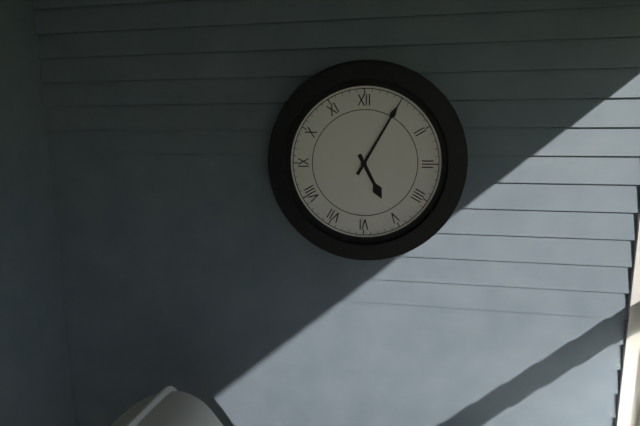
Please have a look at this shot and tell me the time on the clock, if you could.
5:05
